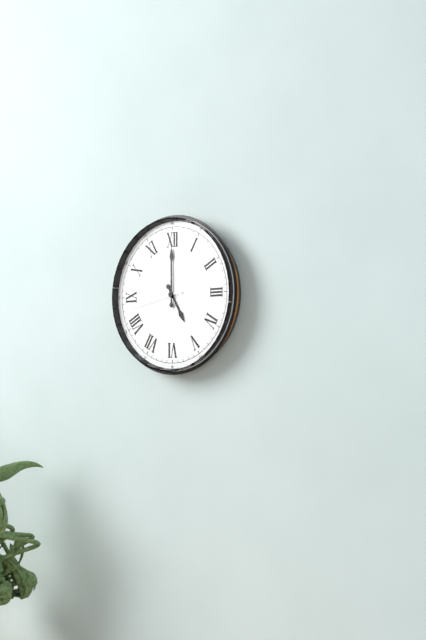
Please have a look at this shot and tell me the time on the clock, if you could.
5:00:43
